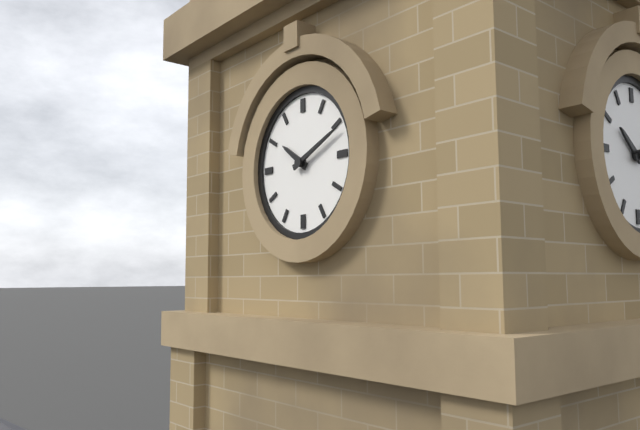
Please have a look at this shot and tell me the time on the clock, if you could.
10:11
